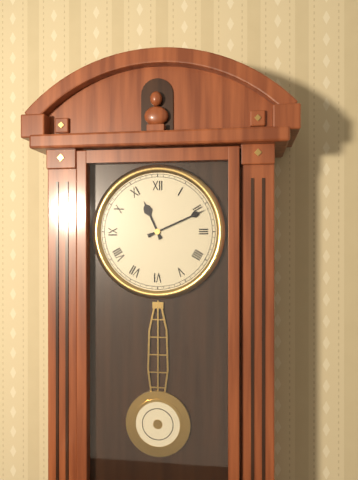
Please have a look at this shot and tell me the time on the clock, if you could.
11:11
